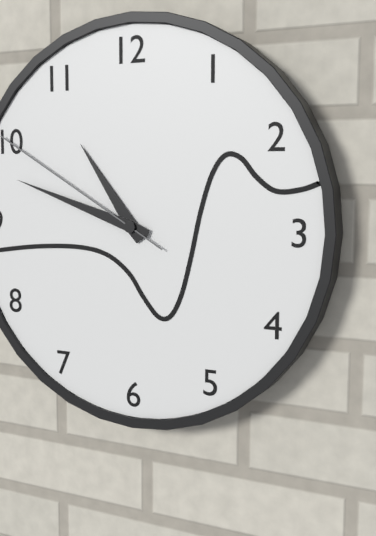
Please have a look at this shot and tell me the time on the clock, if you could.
10:48:50
